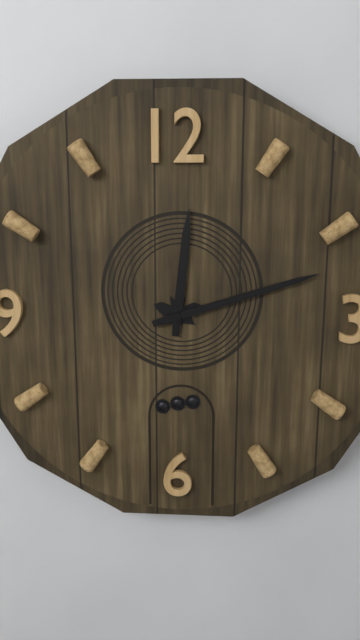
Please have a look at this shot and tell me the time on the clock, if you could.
12:12
